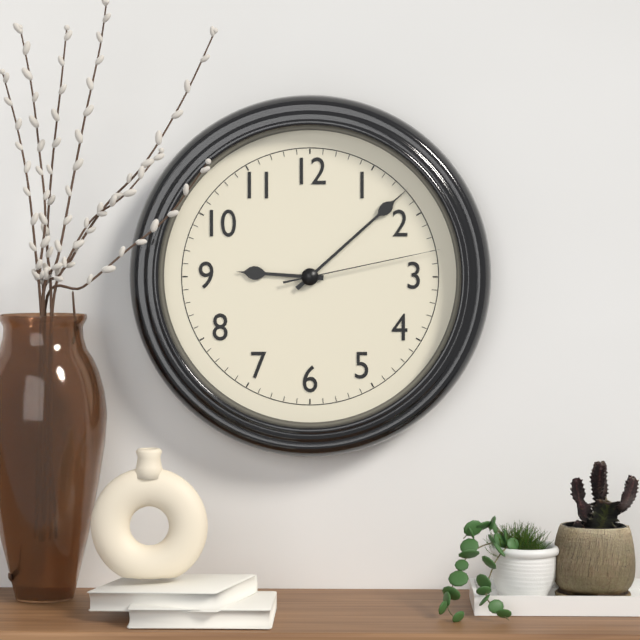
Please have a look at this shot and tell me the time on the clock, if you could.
9:08:13
